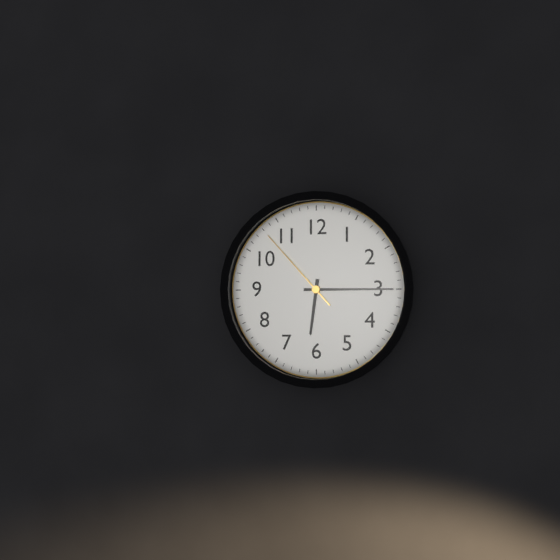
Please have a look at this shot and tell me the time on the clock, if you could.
6:15:53
